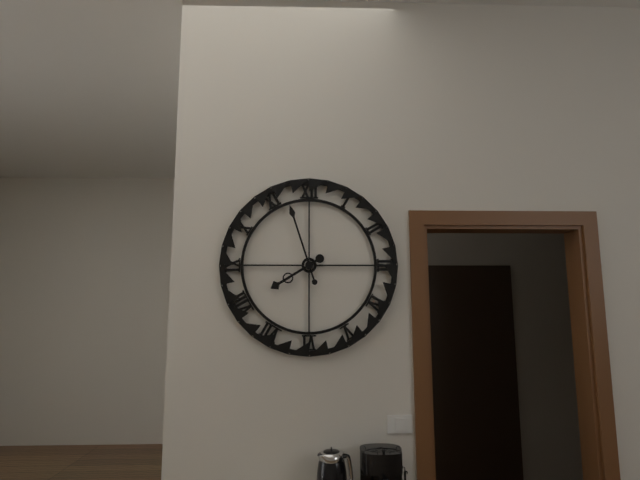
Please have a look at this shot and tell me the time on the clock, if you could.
7:57
